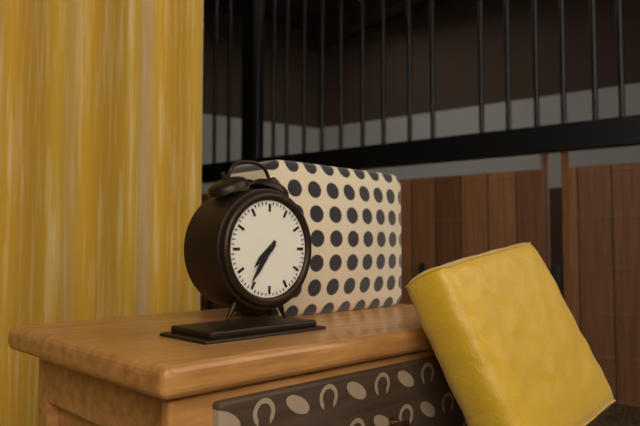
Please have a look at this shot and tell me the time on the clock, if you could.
7:36
